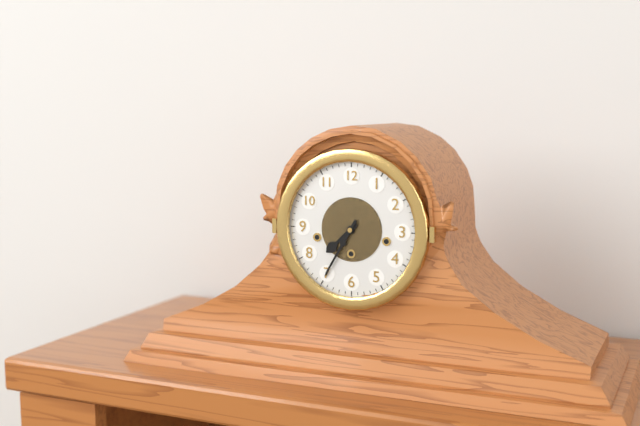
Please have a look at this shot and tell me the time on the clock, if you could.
7:35
